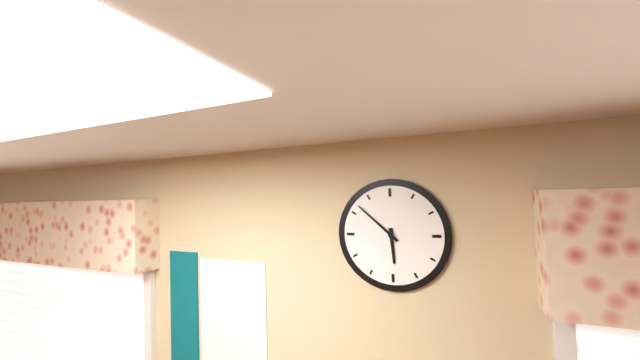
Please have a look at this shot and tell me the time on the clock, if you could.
5:52
